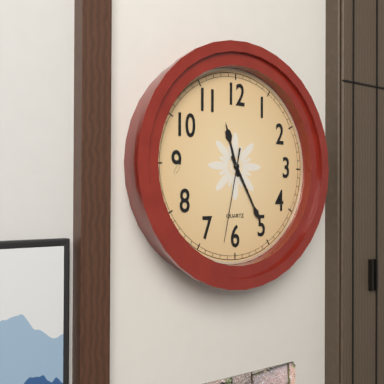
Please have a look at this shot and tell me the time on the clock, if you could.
11:25:32
